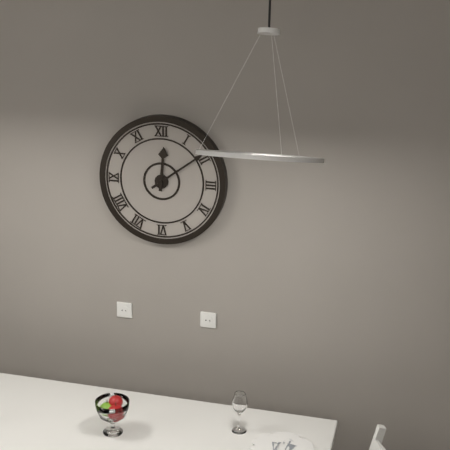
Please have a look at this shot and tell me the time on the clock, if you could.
12:09
